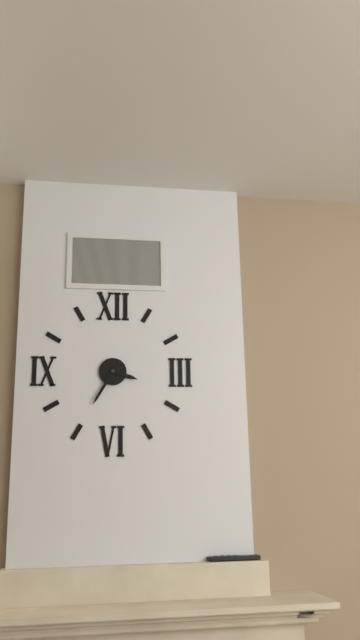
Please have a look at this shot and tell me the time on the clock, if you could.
3:35
